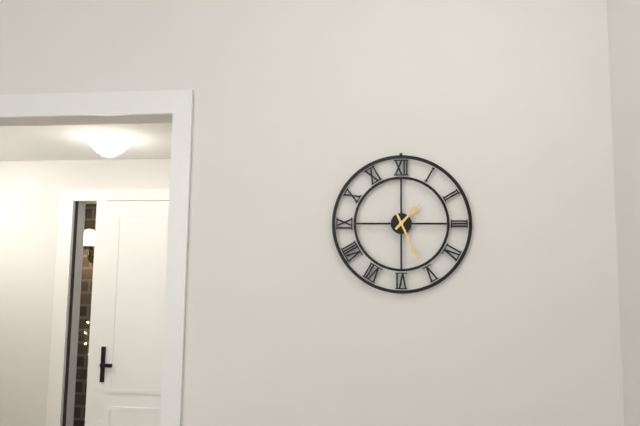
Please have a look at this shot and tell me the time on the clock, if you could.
1:26
